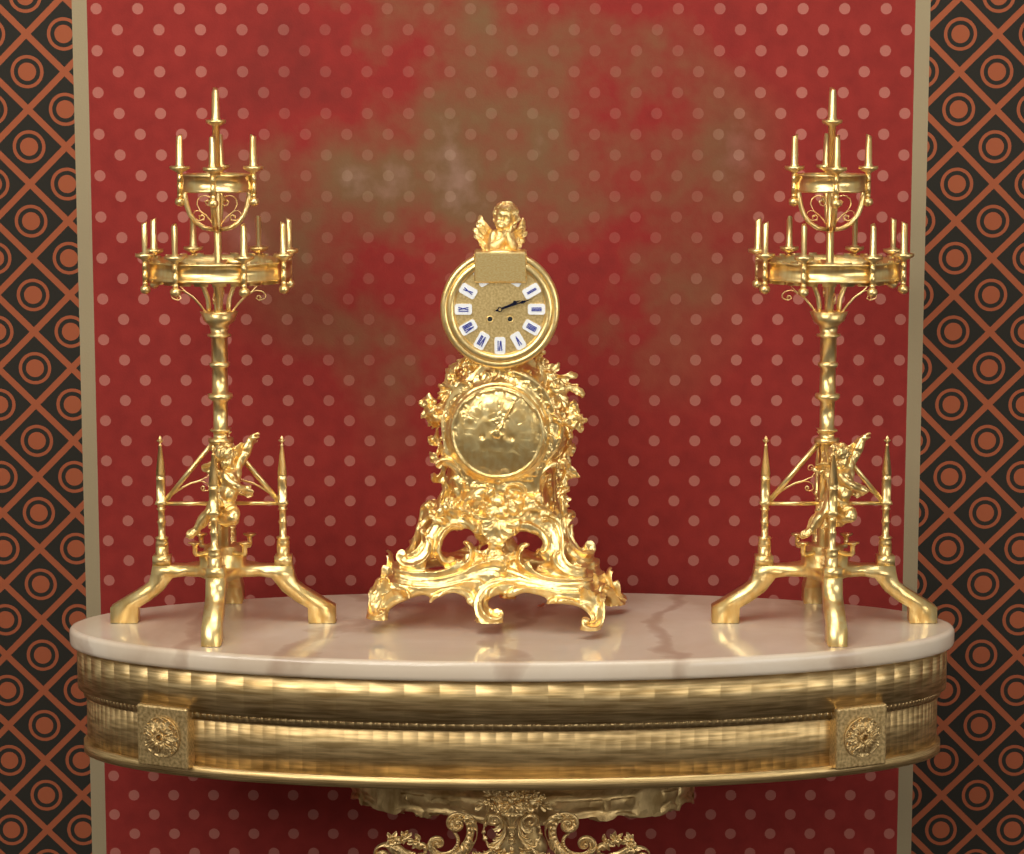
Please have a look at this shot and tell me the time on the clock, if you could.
2:12
